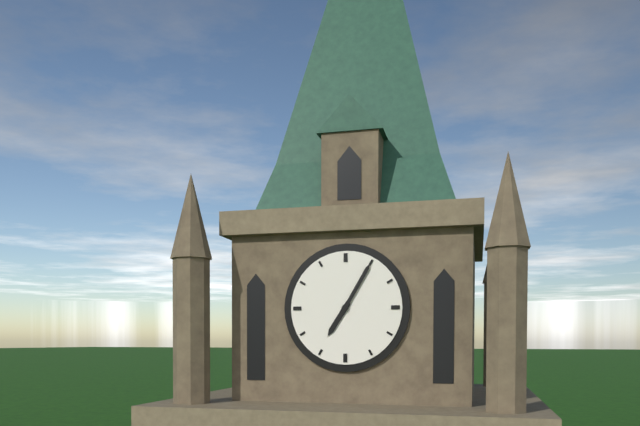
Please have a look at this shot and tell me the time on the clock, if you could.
7:05
